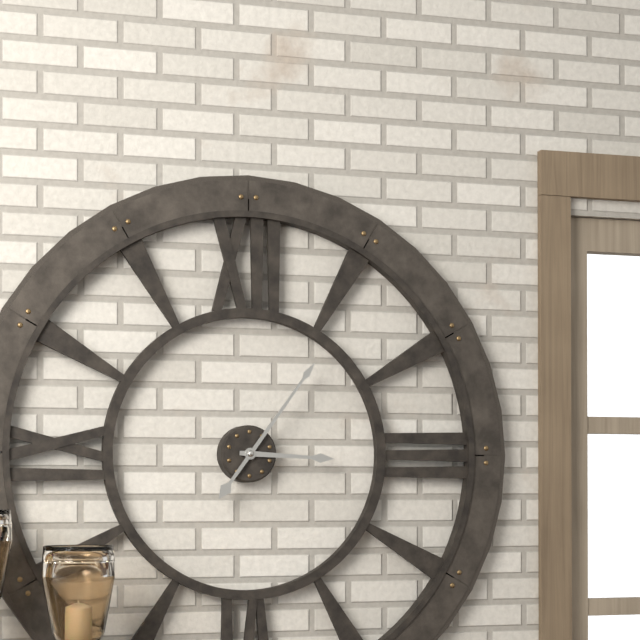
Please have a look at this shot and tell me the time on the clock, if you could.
3:06
